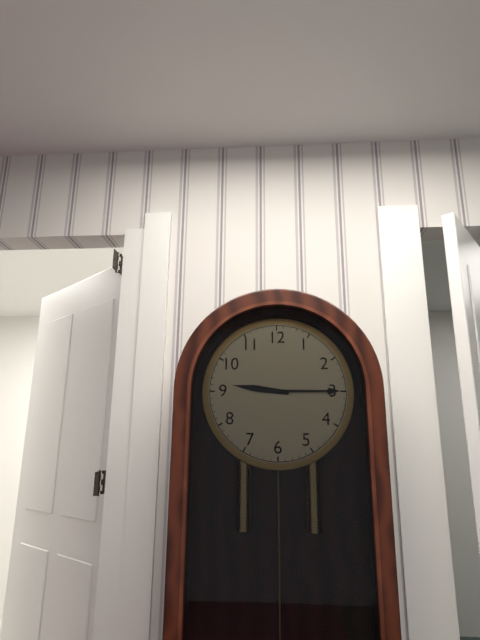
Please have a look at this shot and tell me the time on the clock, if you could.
9:15
